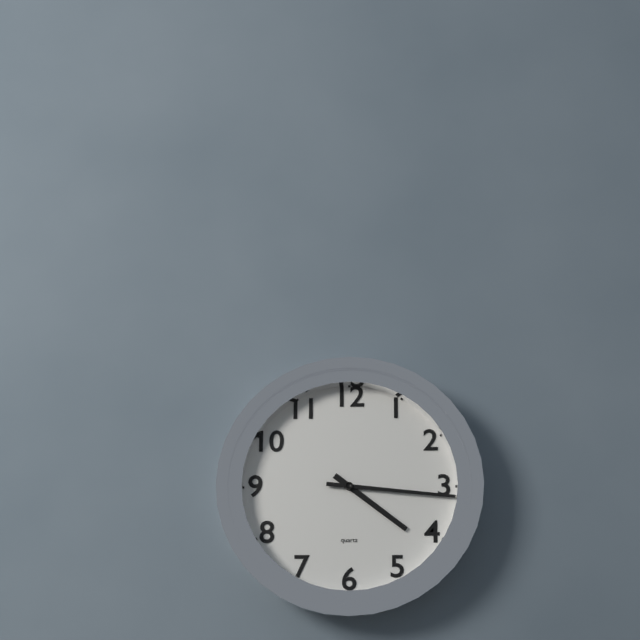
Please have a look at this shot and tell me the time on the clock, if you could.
4:16
